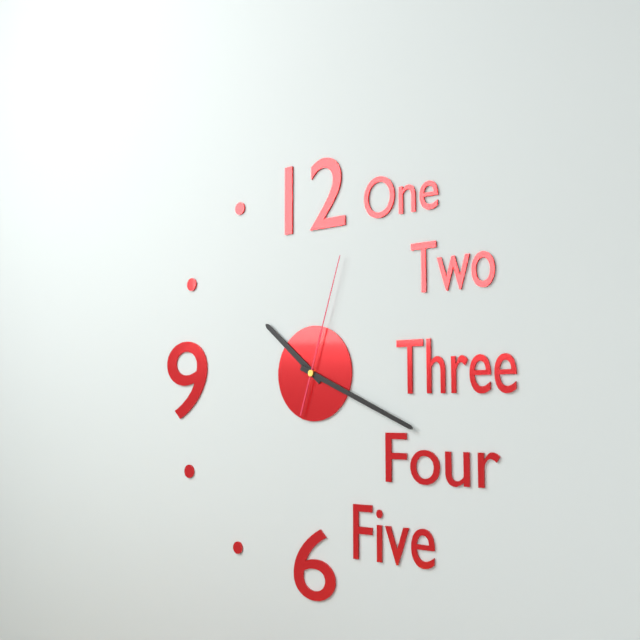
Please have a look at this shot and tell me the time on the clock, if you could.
10:19:03
